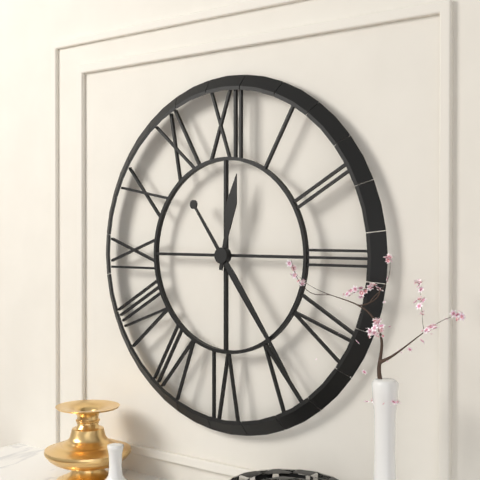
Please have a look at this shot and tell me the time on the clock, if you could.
12:24
